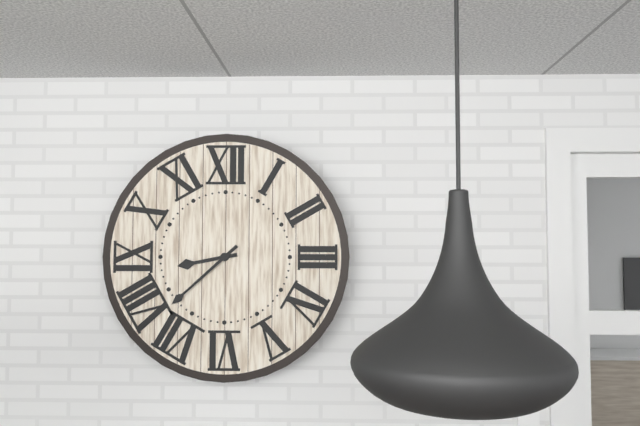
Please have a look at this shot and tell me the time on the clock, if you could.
8:38
